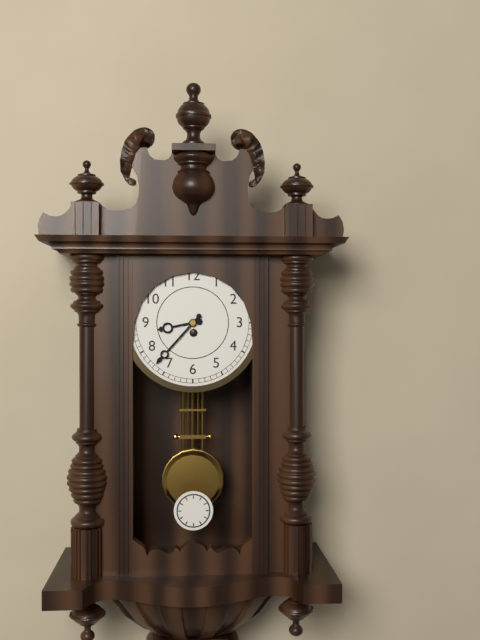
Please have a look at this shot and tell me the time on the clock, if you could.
8:37
